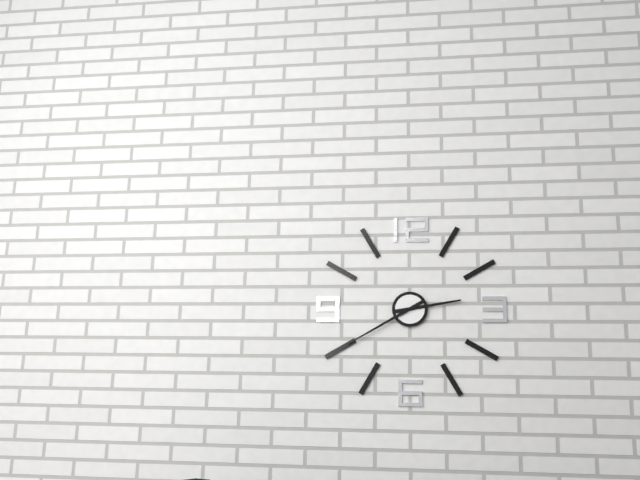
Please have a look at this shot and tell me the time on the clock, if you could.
2:40
